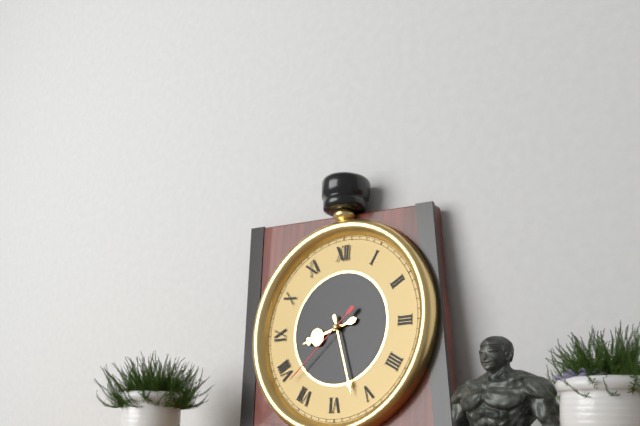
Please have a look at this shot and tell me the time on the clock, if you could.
8:27:38
